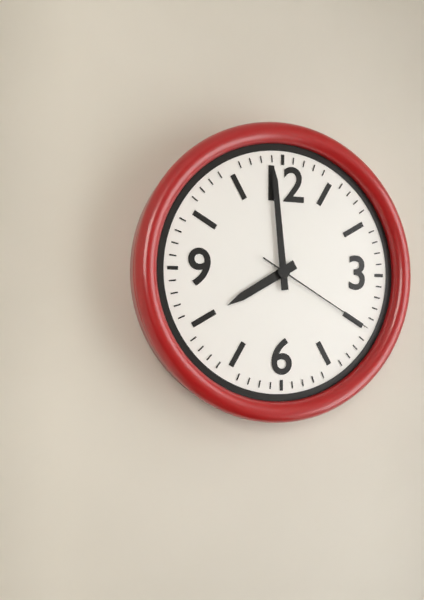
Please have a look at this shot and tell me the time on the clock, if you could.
7:59:20
